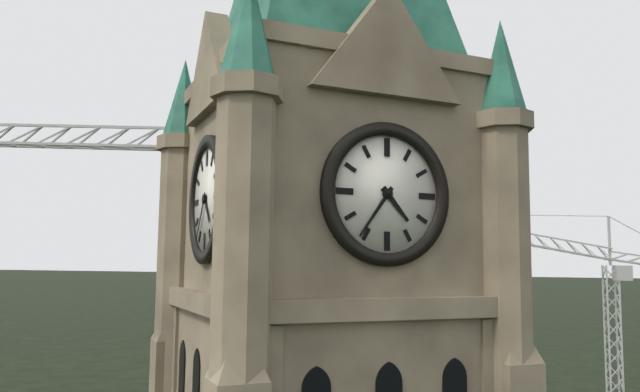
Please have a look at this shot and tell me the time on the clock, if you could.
4:36
